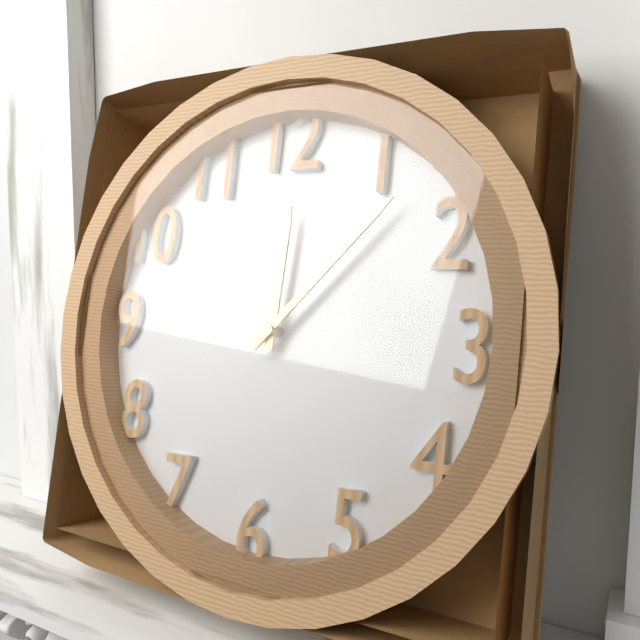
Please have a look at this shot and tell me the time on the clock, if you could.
12:07
